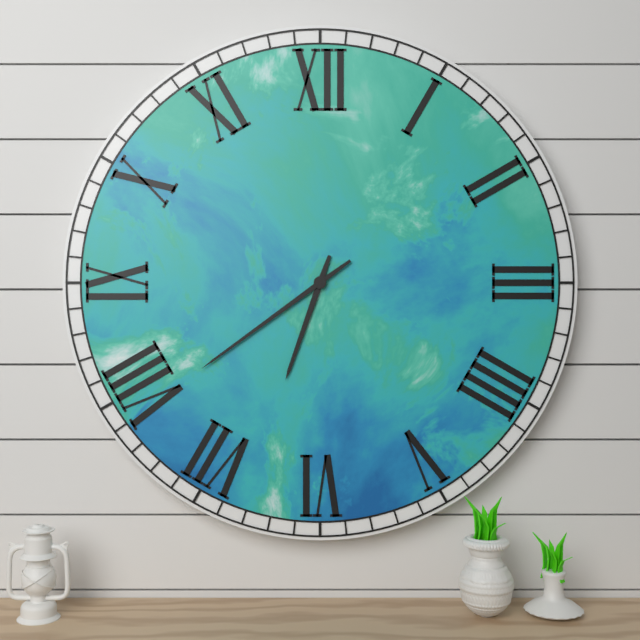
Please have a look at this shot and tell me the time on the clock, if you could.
6:39
